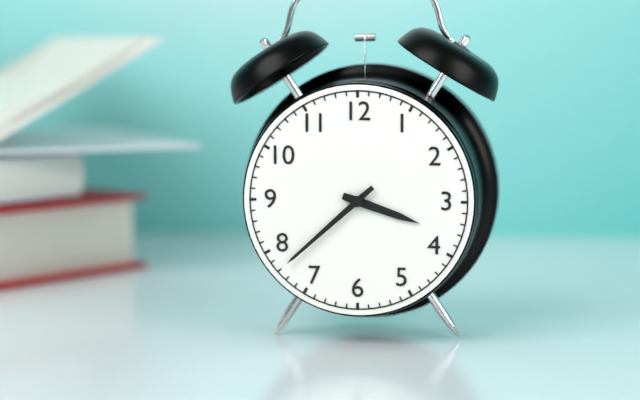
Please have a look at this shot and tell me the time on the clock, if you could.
3:38
